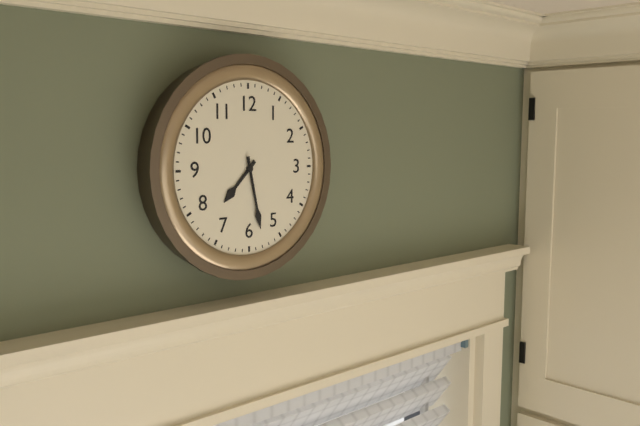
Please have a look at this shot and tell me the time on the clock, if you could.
7:28
